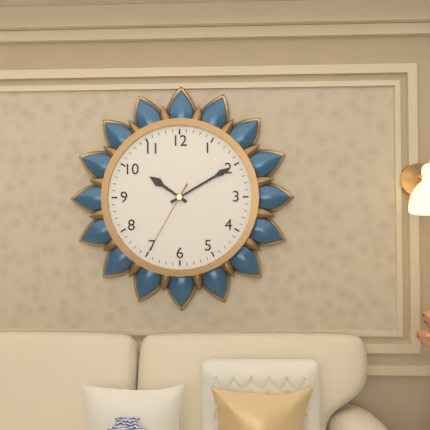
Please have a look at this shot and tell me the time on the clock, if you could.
10:10:35
